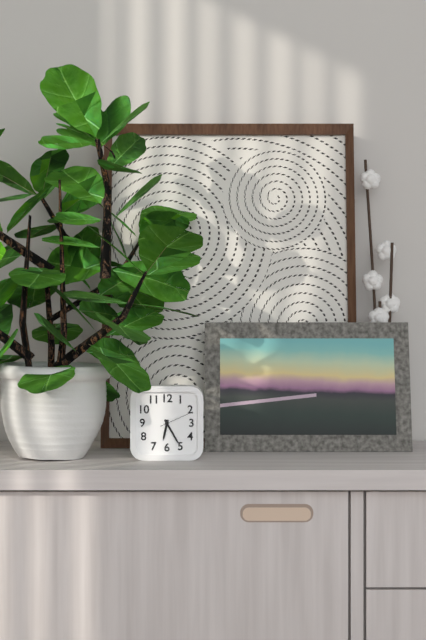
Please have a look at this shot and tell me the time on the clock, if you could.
6:25
